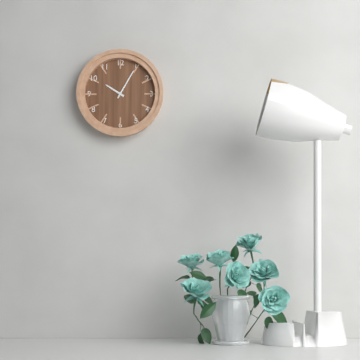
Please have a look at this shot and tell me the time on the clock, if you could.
10:05
